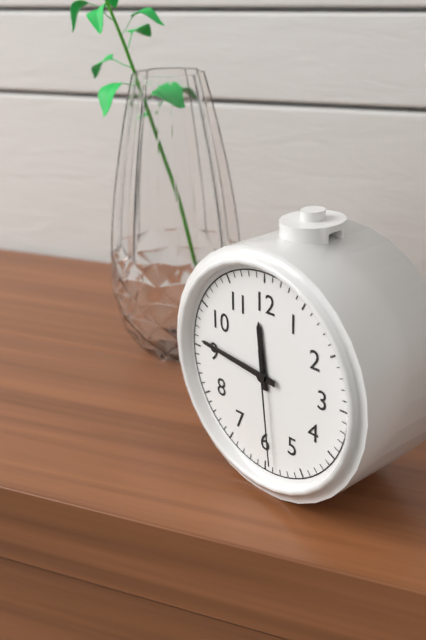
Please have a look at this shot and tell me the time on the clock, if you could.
11:46:29
